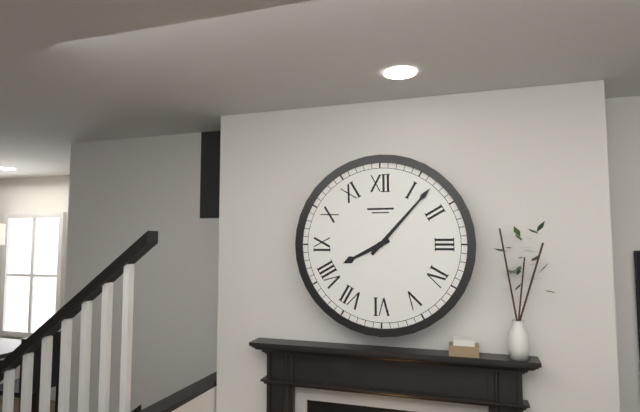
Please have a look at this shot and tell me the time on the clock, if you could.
8:07
